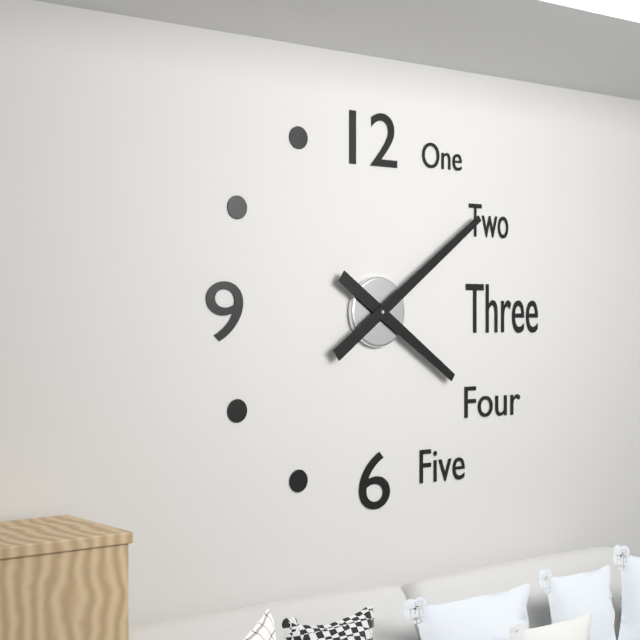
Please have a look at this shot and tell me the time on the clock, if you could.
4:09
